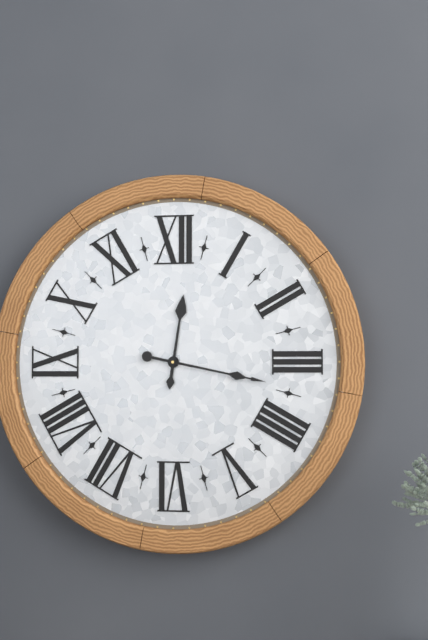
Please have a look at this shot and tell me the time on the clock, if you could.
12:17
